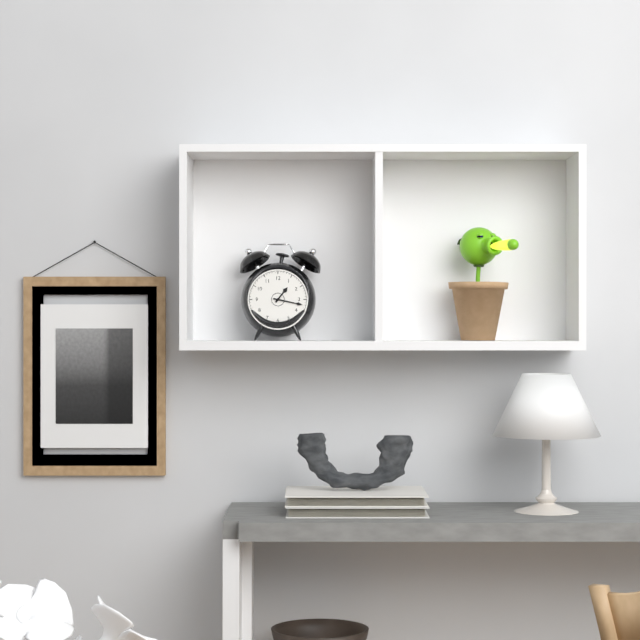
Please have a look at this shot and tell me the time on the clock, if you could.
1:17
